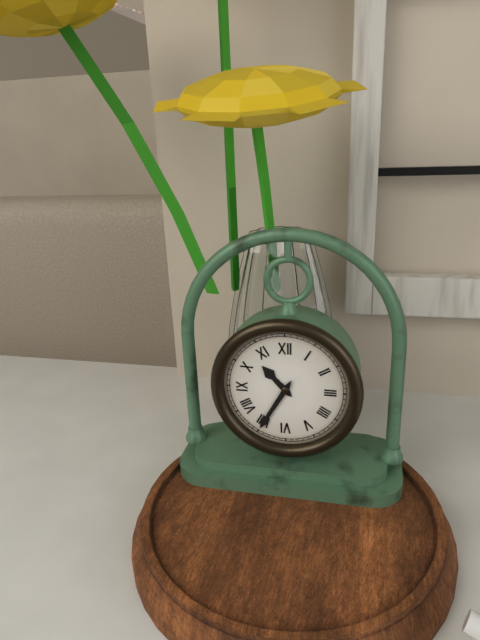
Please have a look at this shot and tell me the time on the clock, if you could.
10:35
